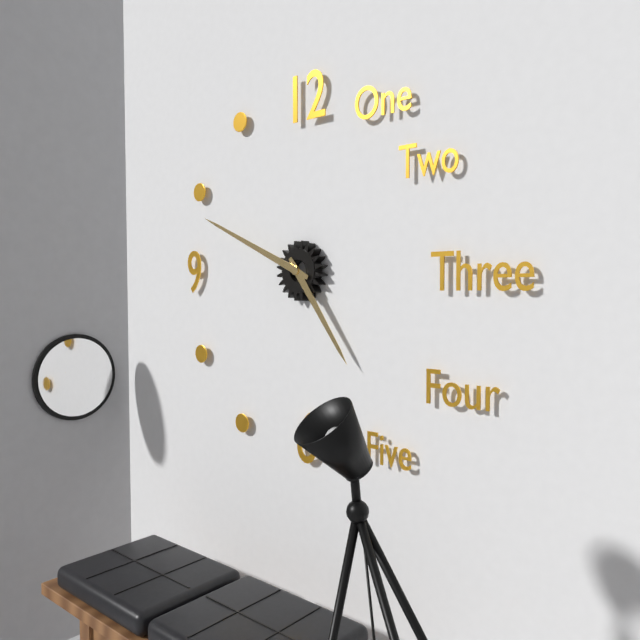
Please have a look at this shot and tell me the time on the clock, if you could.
4:49
